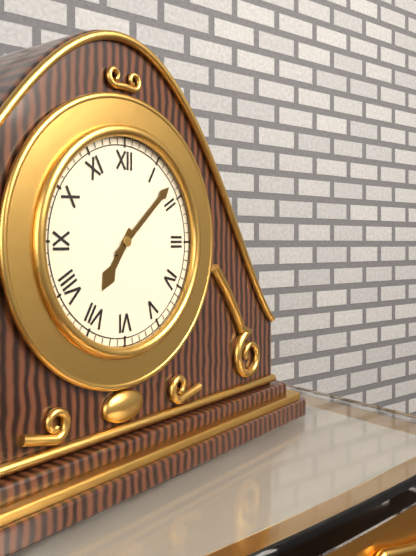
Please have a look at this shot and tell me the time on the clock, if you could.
7:08
